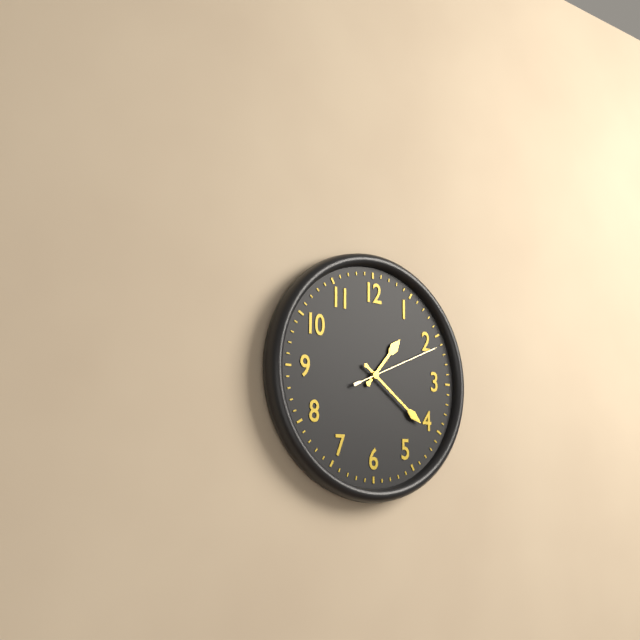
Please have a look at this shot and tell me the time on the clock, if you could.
1:21:11
